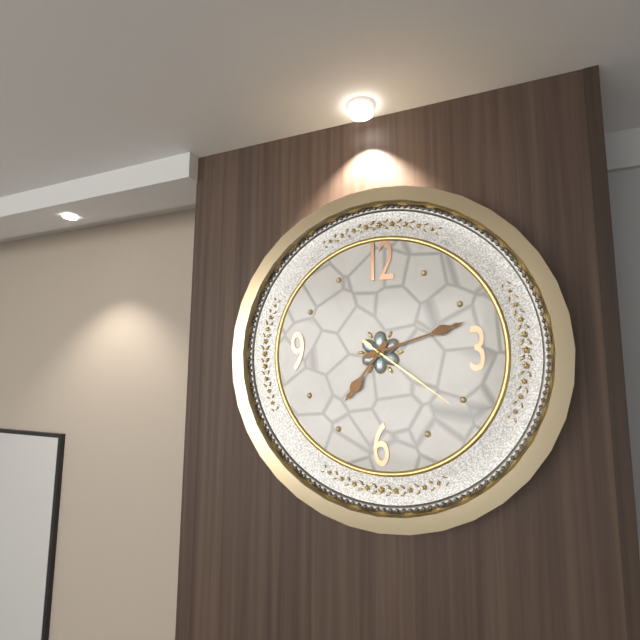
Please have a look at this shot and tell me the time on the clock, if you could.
7:12:21
